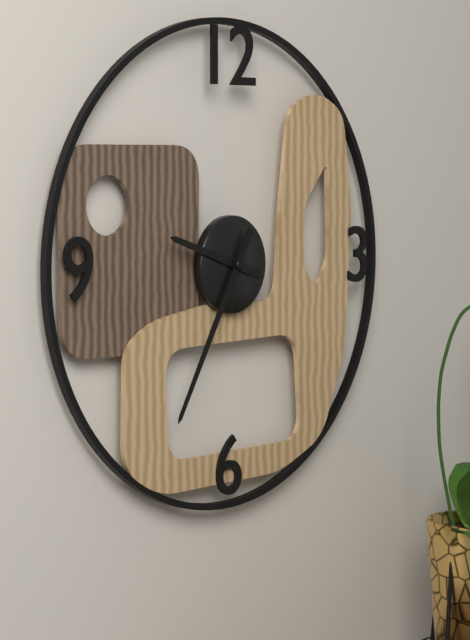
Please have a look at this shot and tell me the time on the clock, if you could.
9:35
